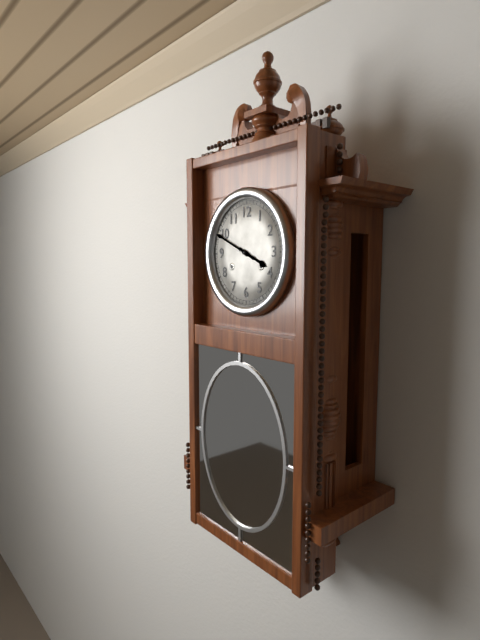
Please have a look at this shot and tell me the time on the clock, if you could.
3:49
